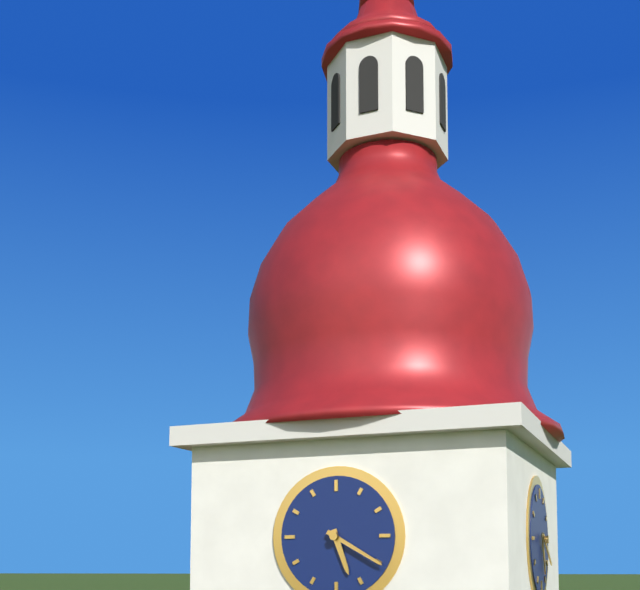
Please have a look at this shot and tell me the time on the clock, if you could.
5:20
